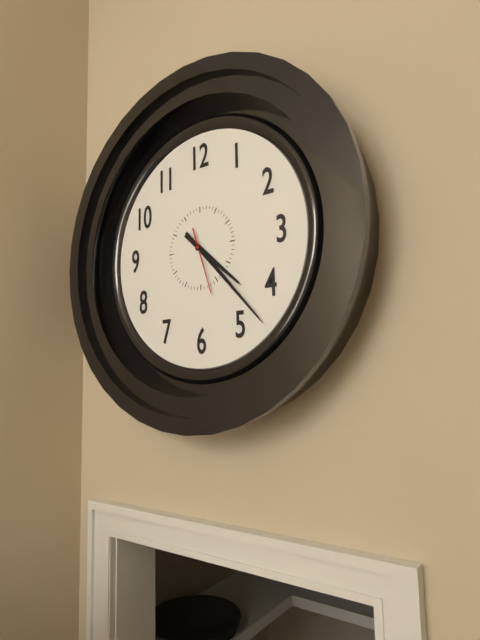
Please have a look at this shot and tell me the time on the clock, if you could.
4:23:27
